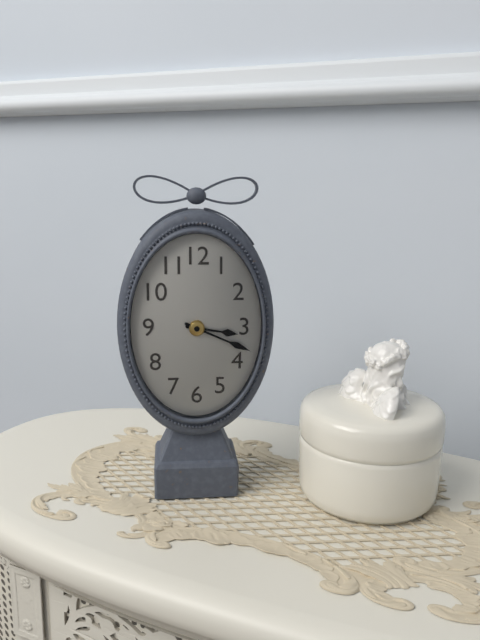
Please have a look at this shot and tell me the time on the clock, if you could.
3:19
